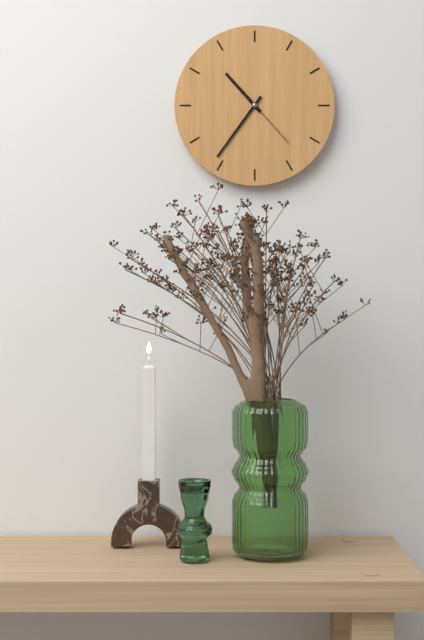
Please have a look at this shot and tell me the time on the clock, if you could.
10:36:23
